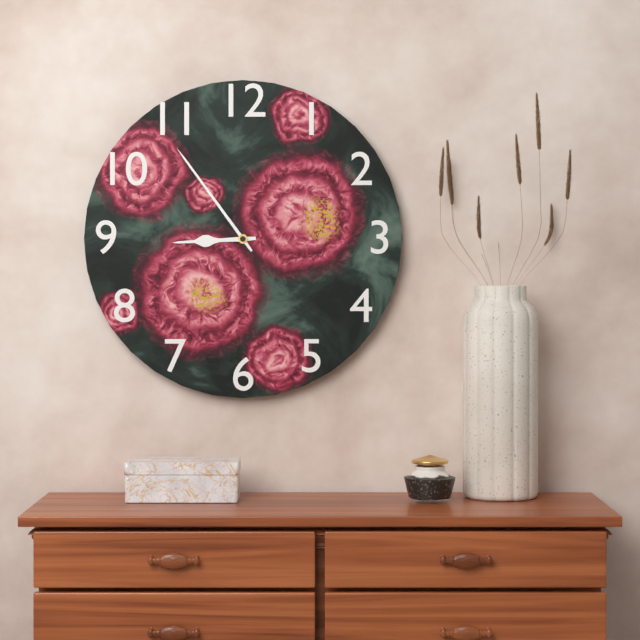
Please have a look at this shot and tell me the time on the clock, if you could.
8:54
